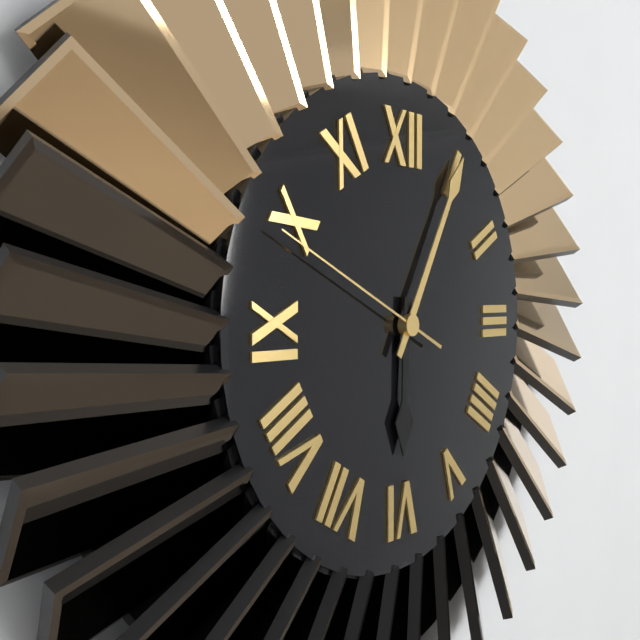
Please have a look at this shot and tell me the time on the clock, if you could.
6:05:49
